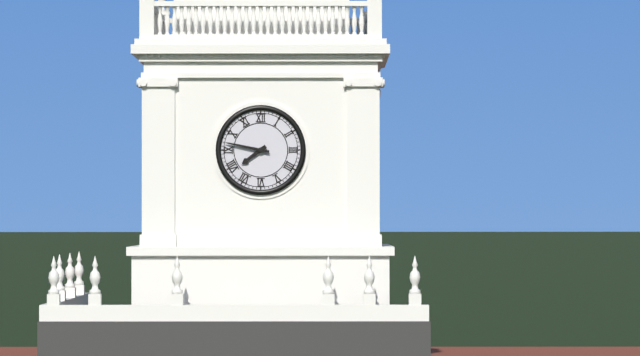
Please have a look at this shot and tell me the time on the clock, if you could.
7:47
